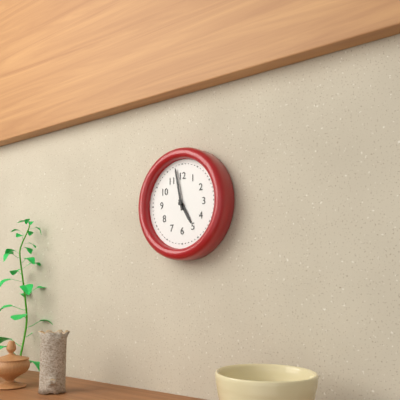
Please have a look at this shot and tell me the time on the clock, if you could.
4:58
